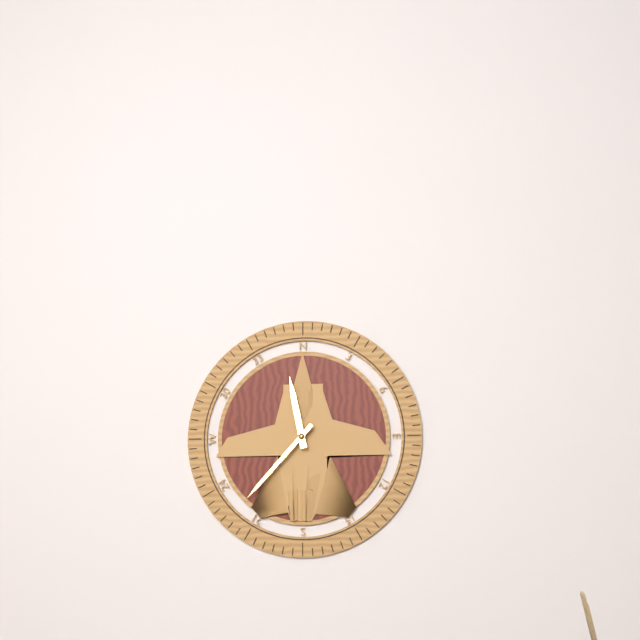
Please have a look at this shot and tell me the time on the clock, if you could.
11:37
